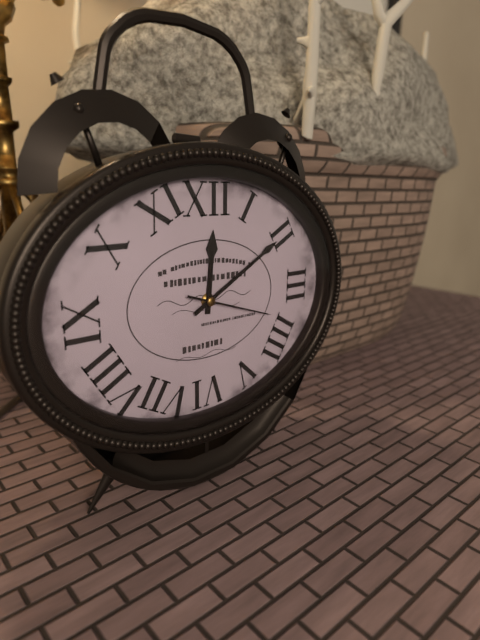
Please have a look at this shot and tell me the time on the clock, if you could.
12:10:18
